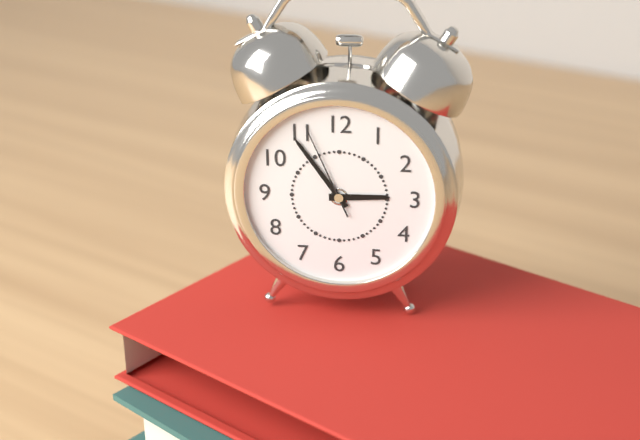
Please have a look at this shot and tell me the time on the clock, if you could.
2:54:56
